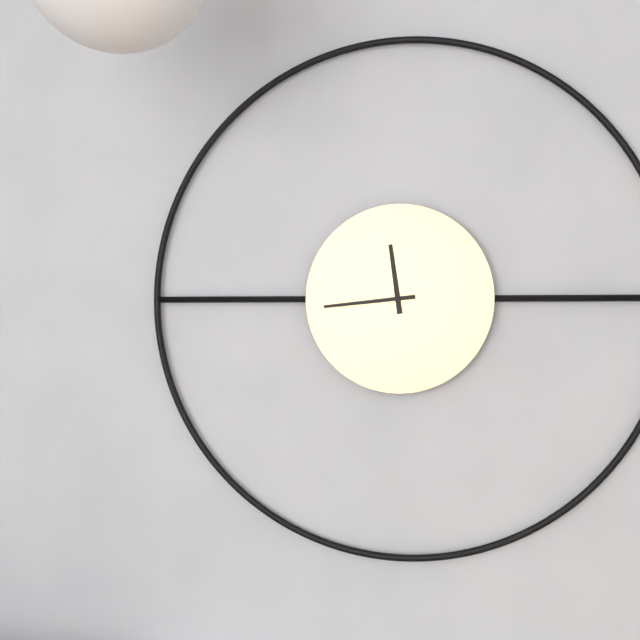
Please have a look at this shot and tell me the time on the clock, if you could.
11:44
